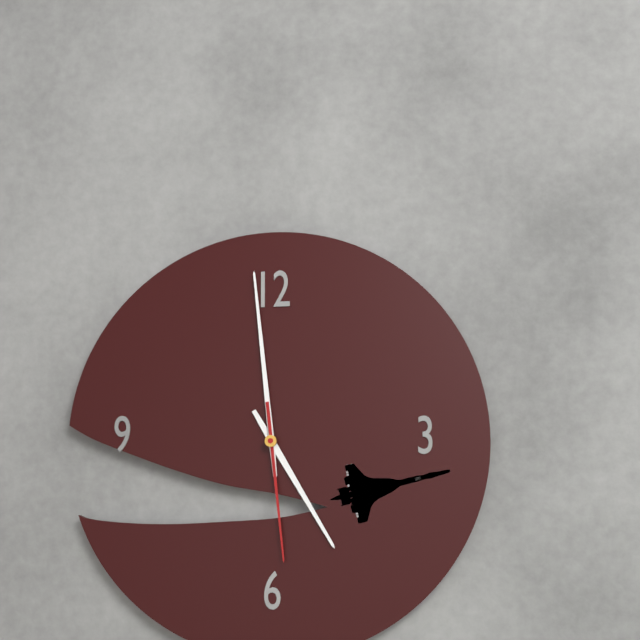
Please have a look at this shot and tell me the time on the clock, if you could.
4:59:29
